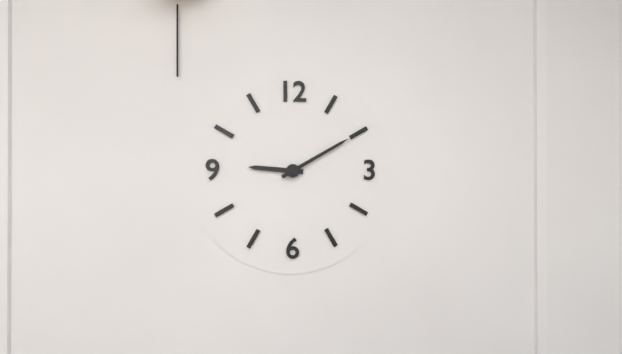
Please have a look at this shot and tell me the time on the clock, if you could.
9:10
